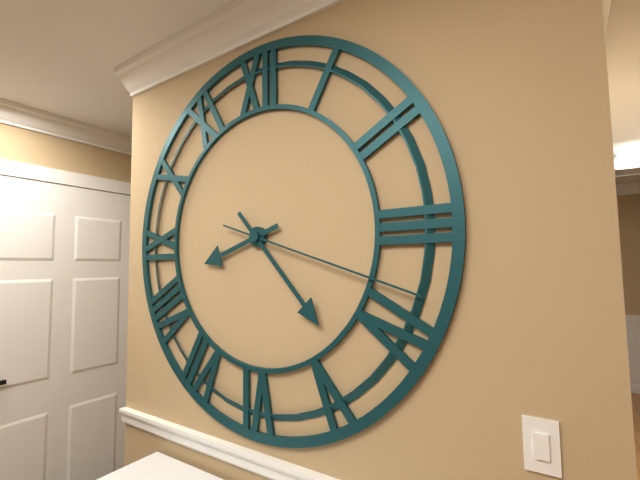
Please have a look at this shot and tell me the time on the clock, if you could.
8:23:18
